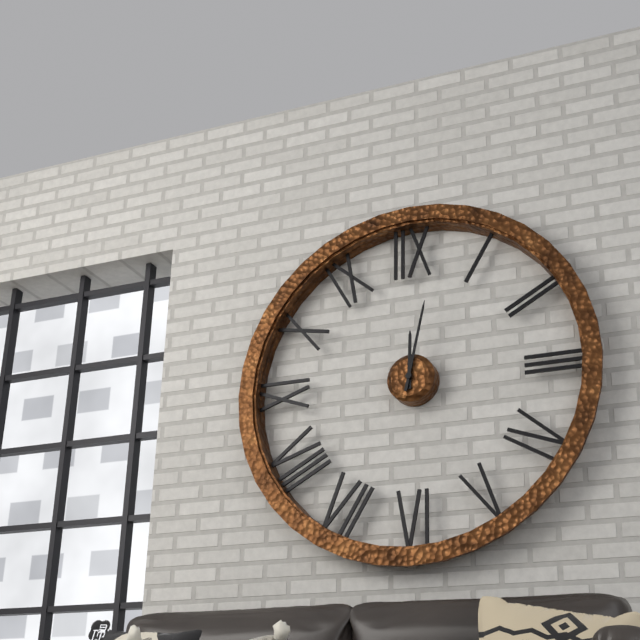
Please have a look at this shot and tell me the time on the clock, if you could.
12:02
